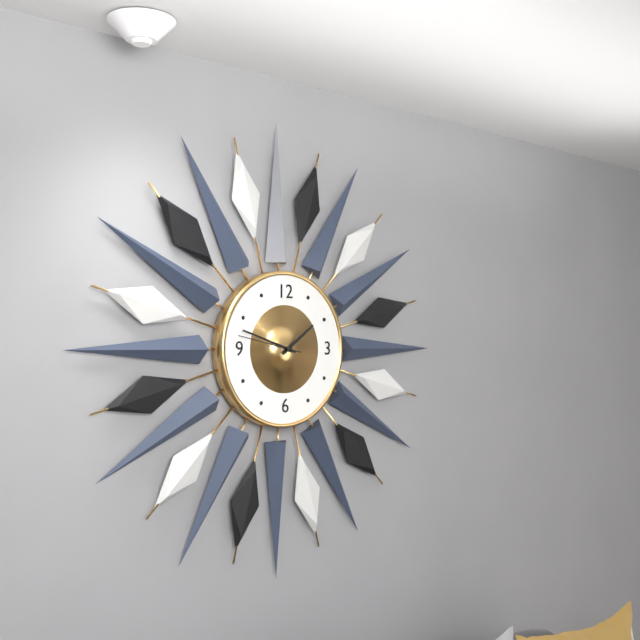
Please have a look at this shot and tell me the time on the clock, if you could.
1:48:47
